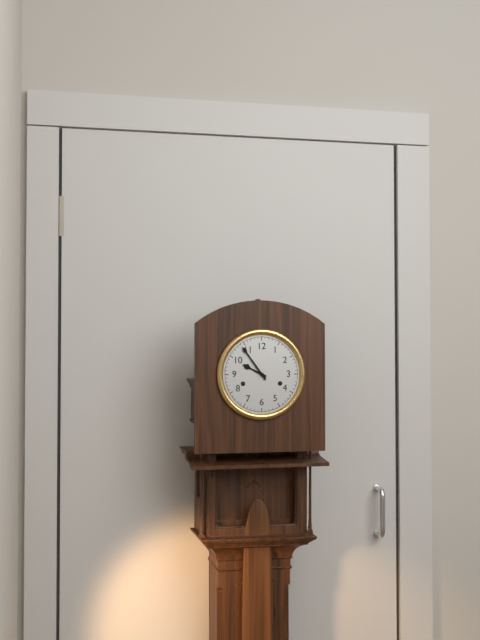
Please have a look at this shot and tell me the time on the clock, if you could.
9:54
